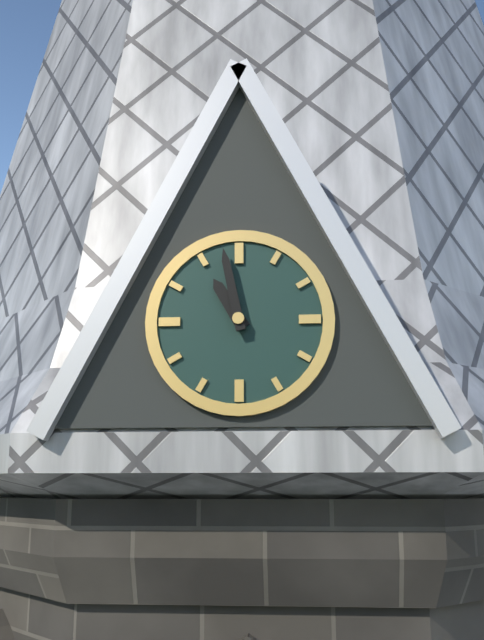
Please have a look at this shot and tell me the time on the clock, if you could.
10:58
